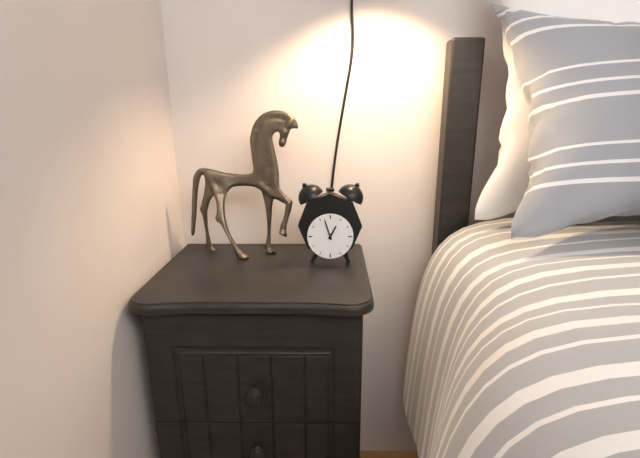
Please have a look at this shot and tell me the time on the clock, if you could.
12:57
